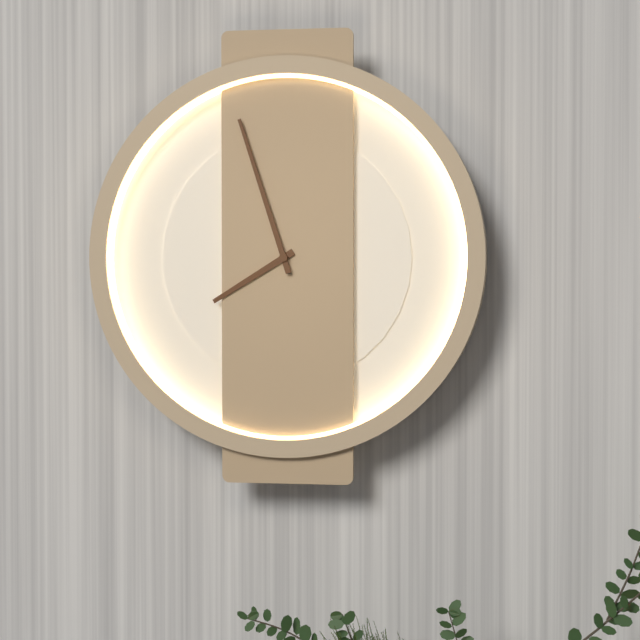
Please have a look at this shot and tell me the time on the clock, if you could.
7:57
